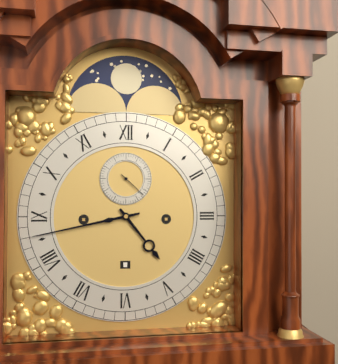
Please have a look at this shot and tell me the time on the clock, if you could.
4:43
